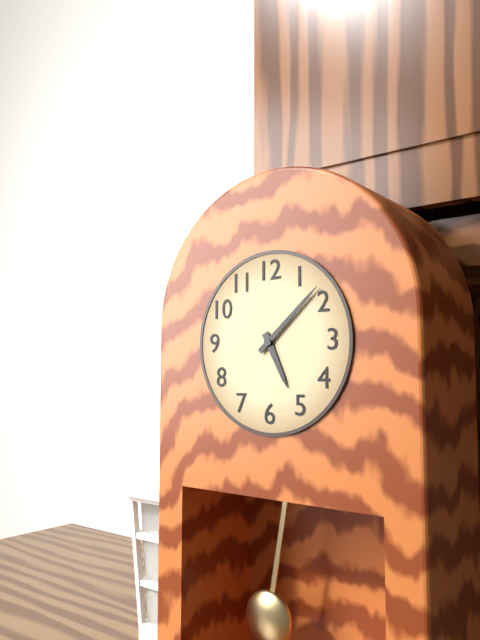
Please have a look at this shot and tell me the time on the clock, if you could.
5:08
